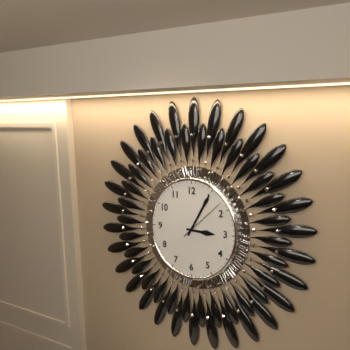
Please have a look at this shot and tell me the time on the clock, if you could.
3:05
